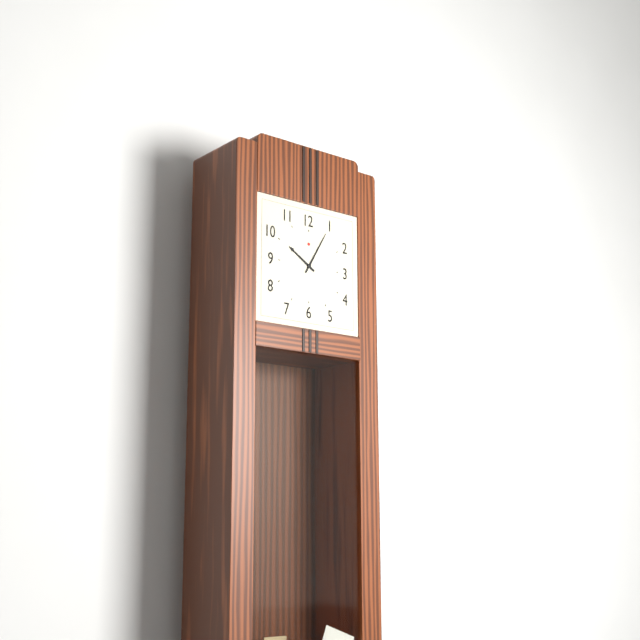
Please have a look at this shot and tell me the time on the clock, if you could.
10:05
